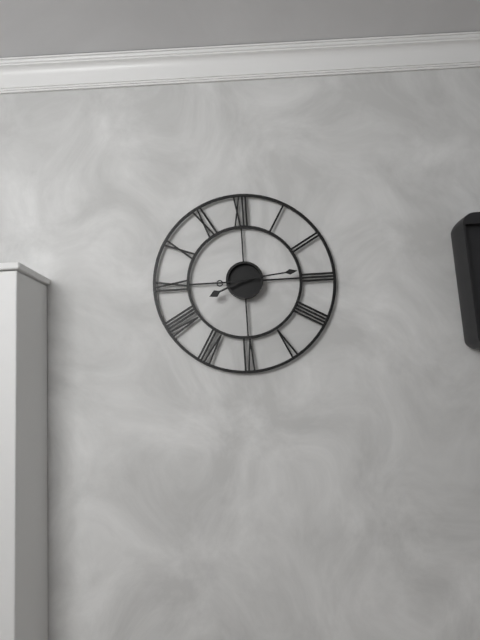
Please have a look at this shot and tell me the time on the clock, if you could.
8:14
